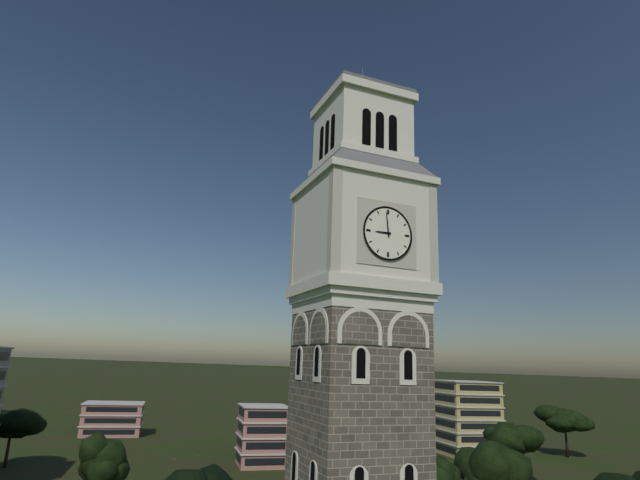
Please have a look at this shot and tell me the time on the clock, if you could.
8:59
